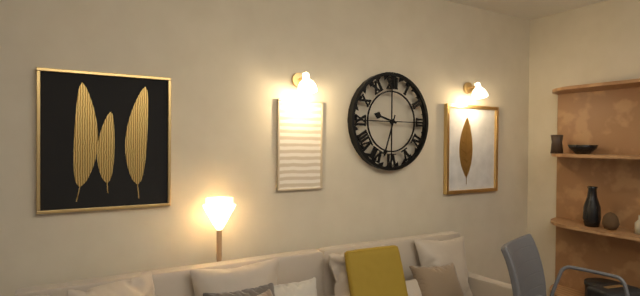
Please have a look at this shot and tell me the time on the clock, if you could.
9:33
